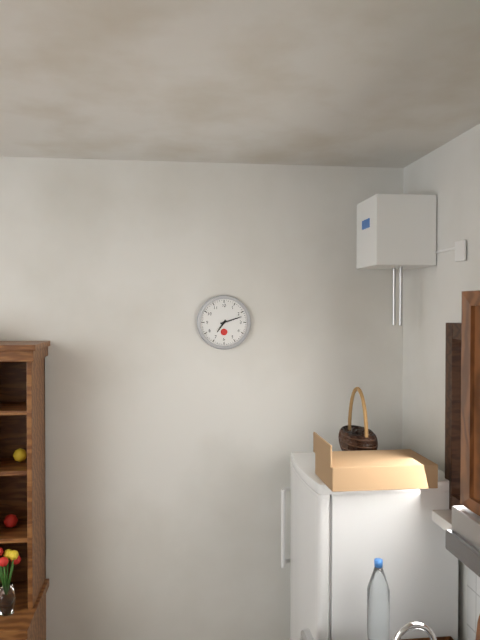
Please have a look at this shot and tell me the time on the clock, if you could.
7:12
